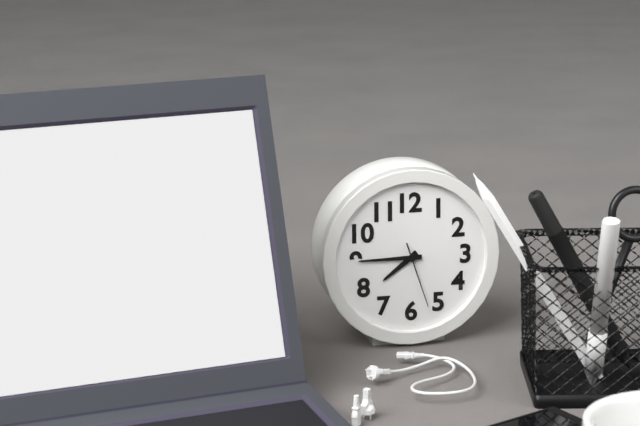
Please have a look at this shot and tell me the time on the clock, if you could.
7:45:27
